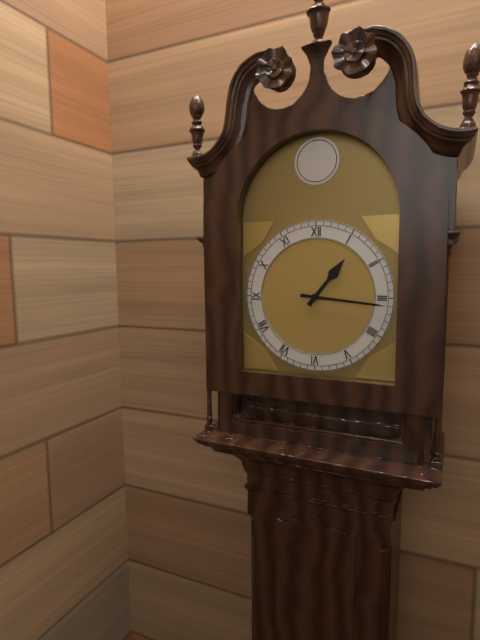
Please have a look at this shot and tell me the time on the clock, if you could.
1:16
